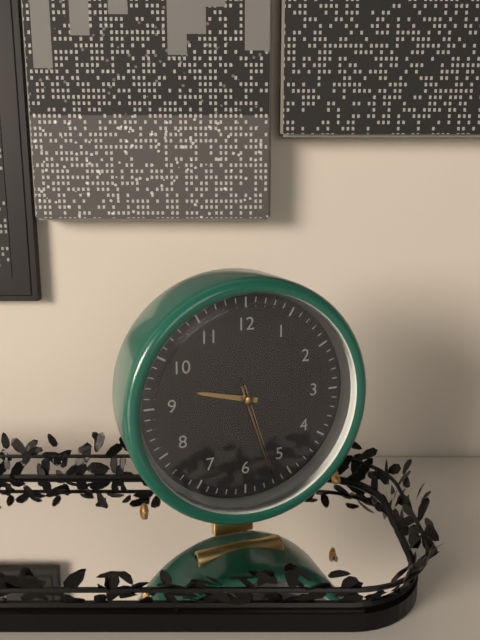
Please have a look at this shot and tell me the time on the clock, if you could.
9:27:27
